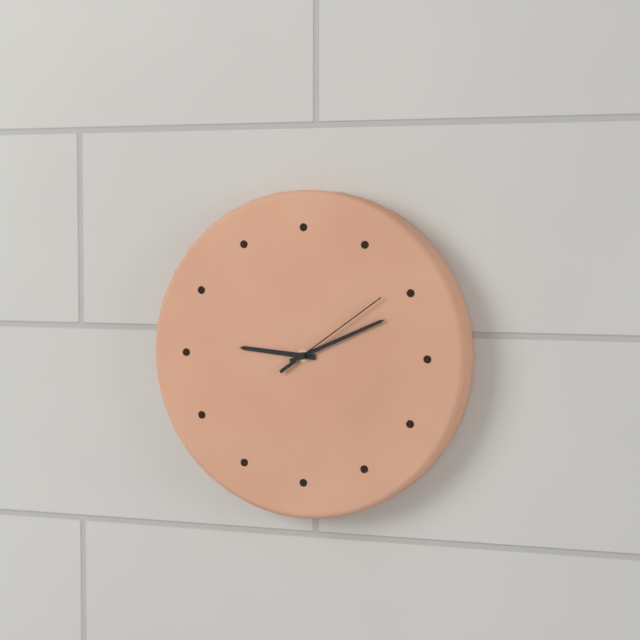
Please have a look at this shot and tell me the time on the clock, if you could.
9:11:09
